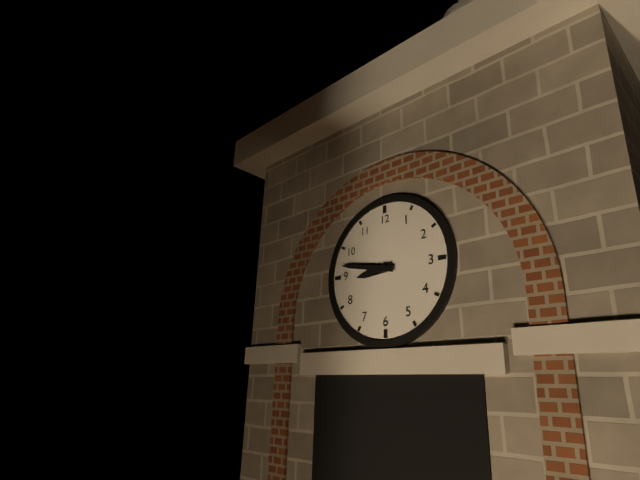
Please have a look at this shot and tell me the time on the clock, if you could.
8:47
